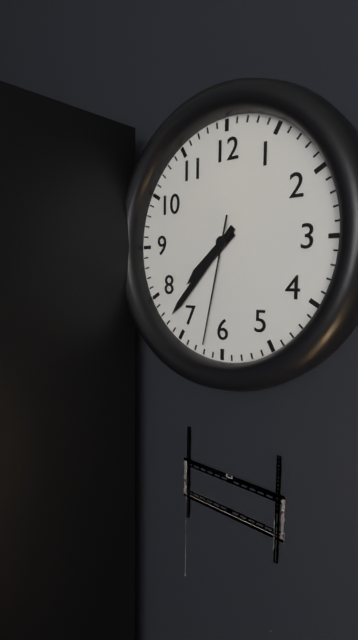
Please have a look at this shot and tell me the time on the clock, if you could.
7:37:32
